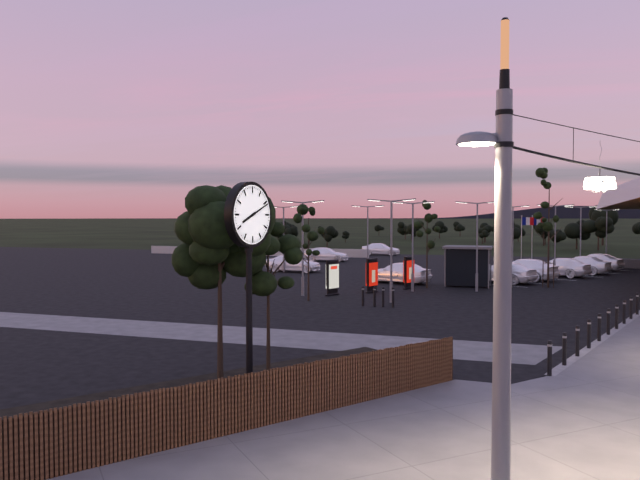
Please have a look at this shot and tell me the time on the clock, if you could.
8:11
